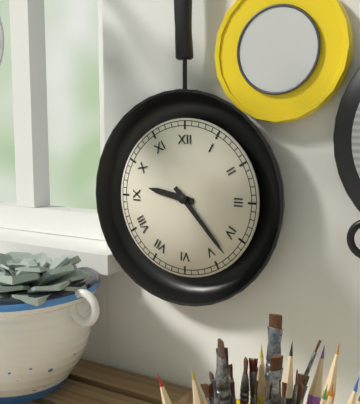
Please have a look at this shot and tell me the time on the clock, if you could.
9:23
